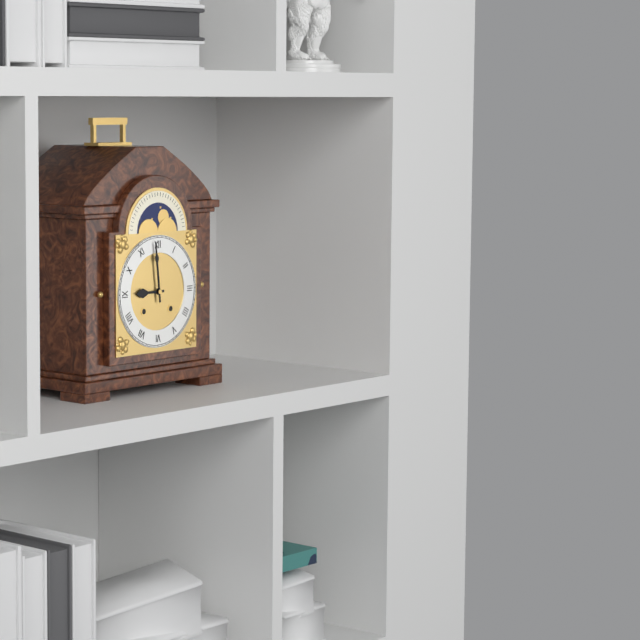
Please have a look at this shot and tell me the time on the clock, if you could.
8:59
